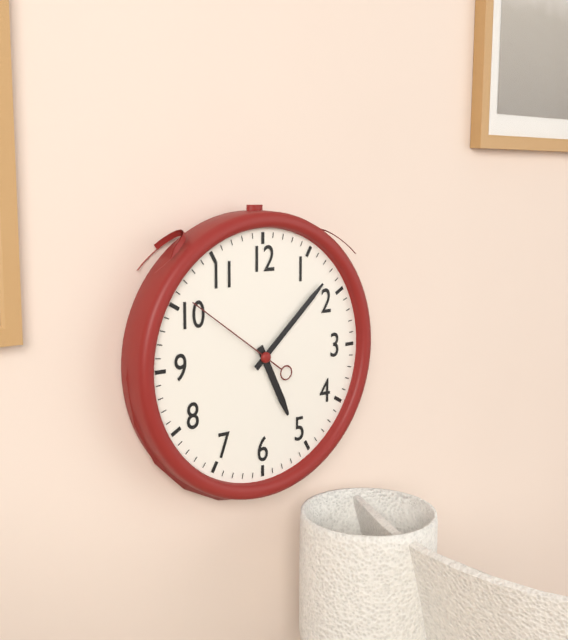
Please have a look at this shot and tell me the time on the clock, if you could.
5:08:51
